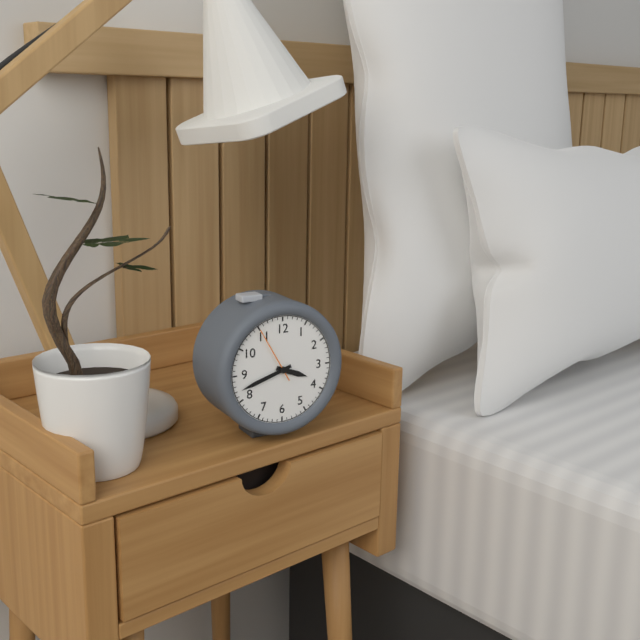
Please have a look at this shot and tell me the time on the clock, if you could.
3:42
